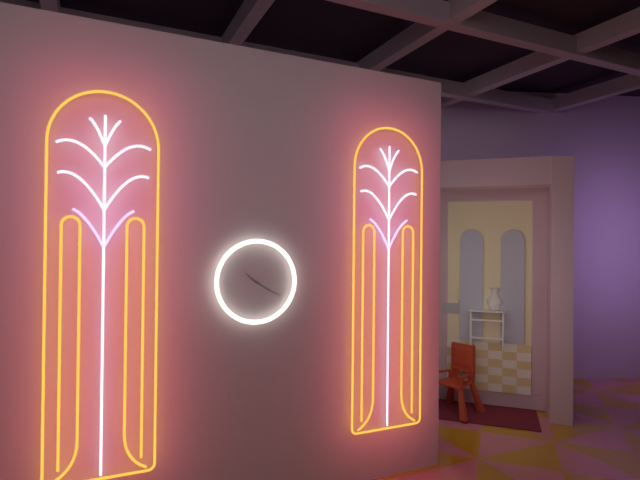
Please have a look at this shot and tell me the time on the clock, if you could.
10:20
